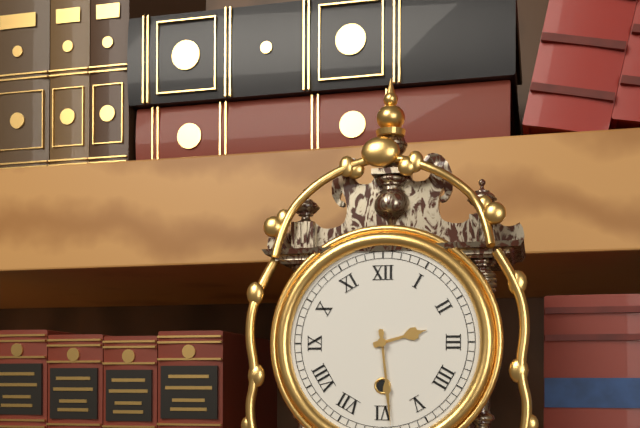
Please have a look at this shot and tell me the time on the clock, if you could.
2:29
